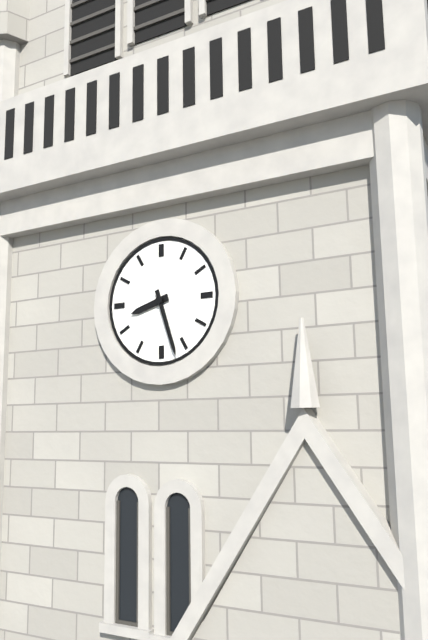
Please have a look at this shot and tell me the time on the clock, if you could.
8:27
